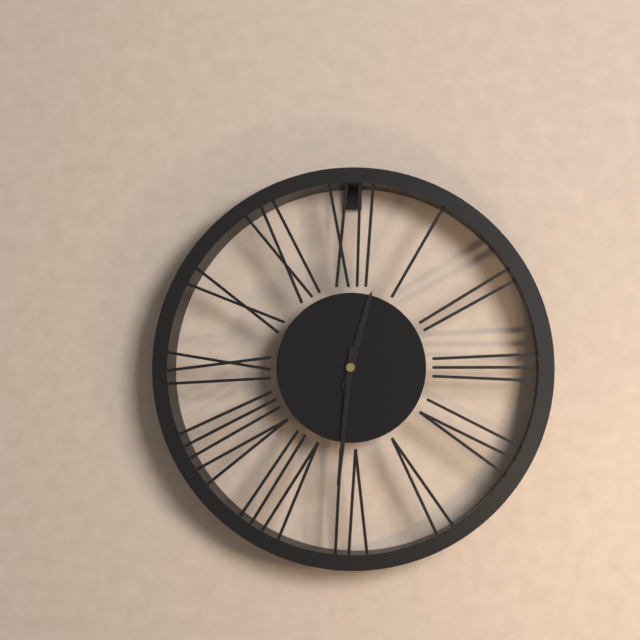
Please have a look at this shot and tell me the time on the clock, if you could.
12:31
